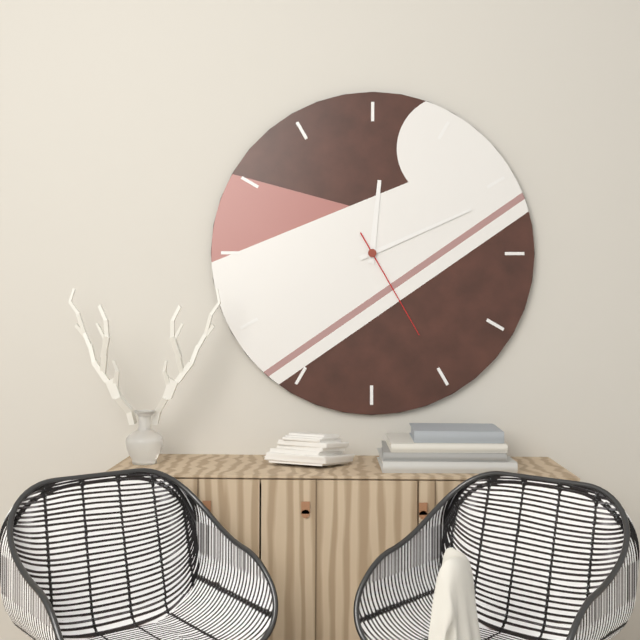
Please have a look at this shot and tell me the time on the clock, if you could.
12:11:25
